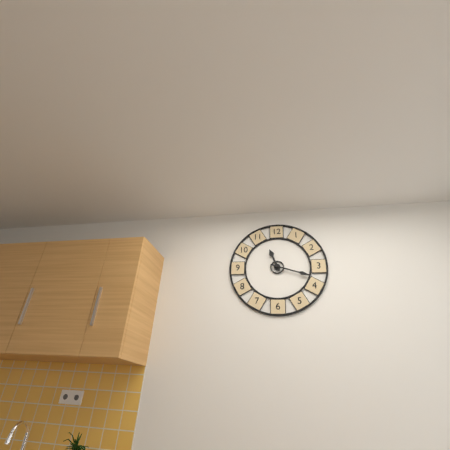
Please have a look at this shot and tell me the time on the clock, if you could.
11:18
